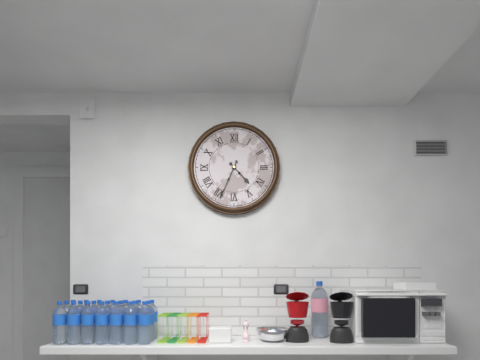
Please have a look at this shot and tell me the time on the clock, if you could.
4:34
